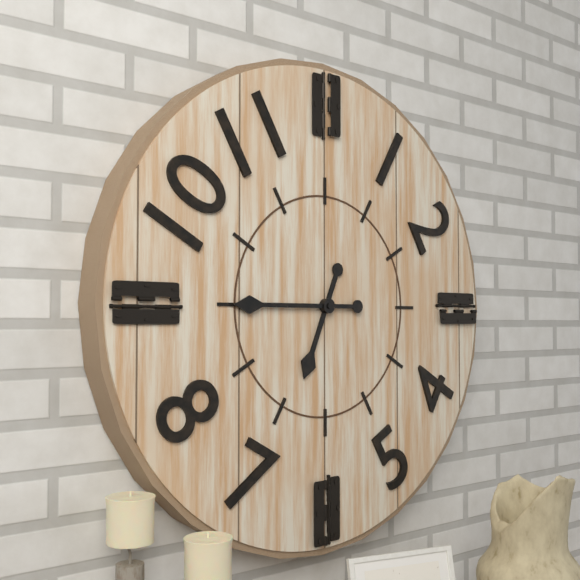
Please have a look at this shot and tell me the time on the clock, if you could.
6:45
